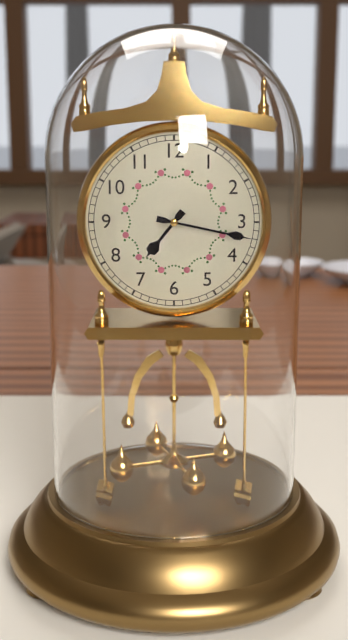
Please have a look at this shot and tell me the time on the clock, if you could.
7:17
